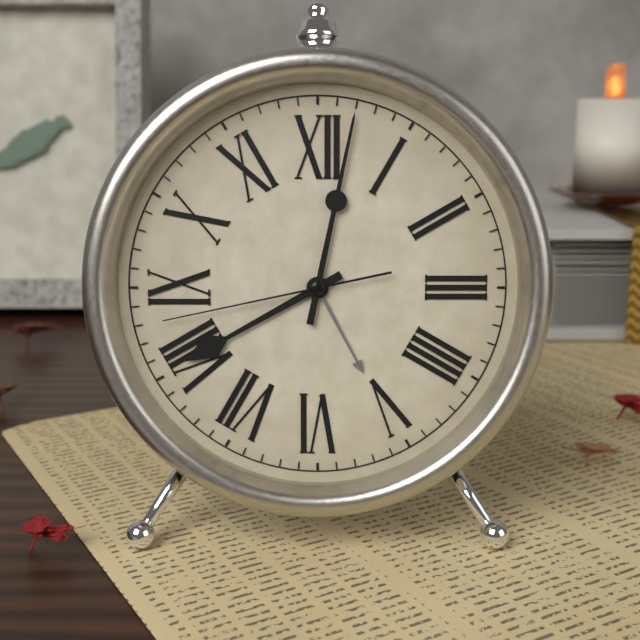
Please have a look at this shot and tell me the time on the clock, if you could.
8:02:43
